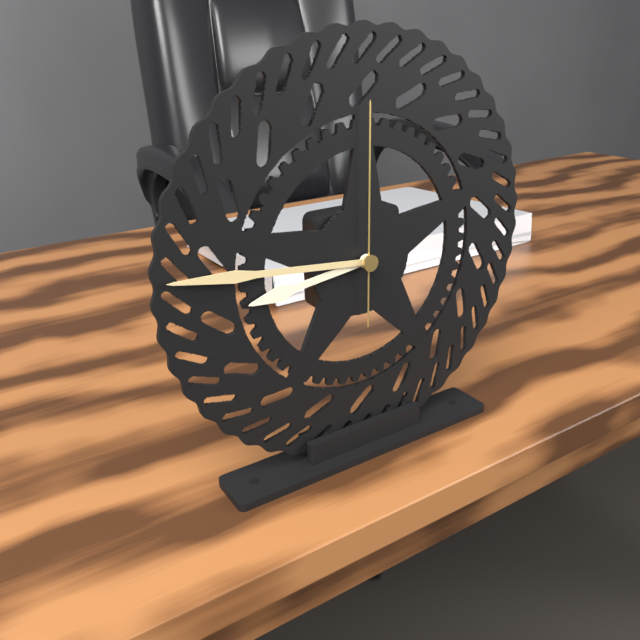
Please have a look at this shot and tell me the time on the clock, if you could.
8:46:00
